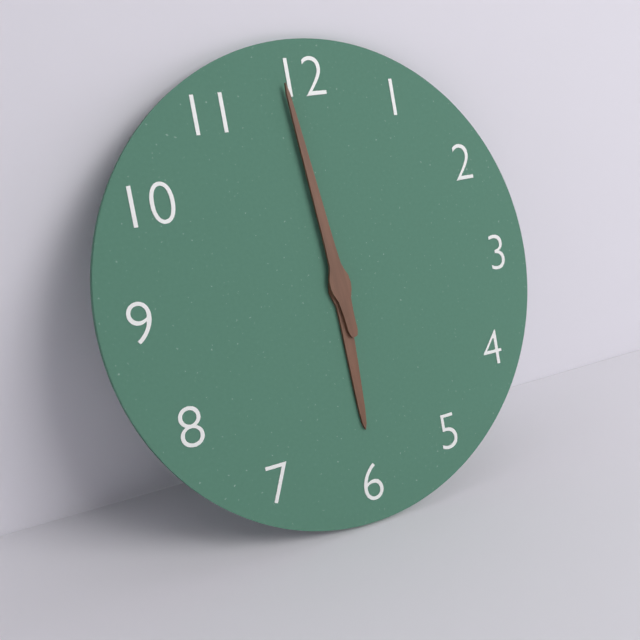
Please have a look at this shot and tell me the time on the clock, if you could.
5:59
